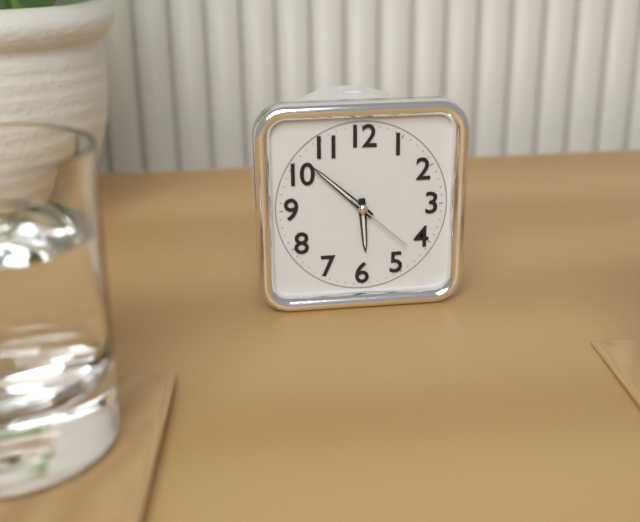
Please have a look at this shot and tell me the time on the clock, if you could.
5:52:22
